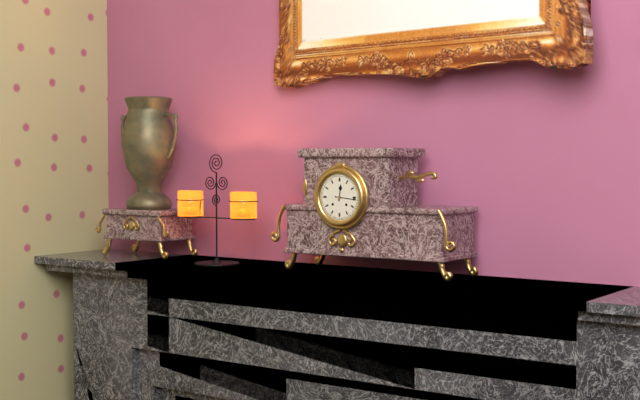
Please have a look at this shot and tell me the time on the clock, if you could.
12:16
